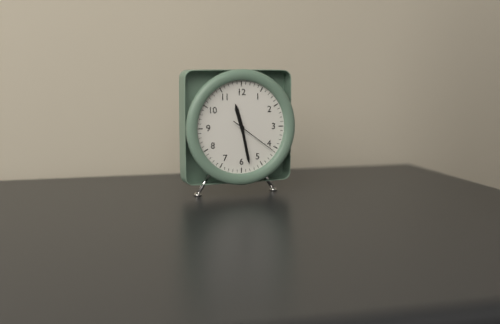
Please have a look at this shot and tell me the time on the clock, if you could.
11:28:21
